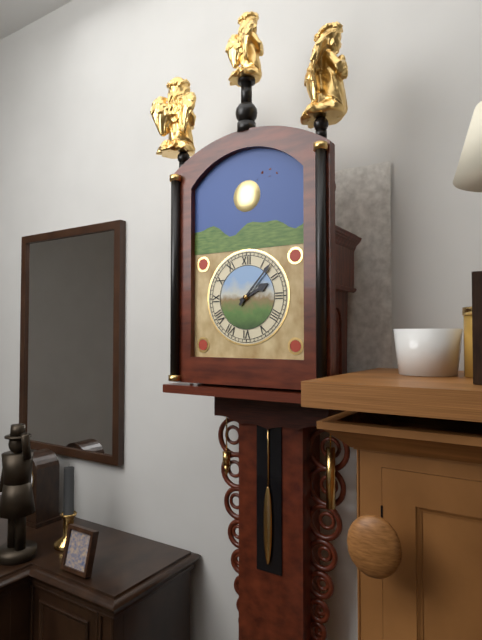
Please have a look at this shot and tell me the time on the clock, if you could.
2:07
